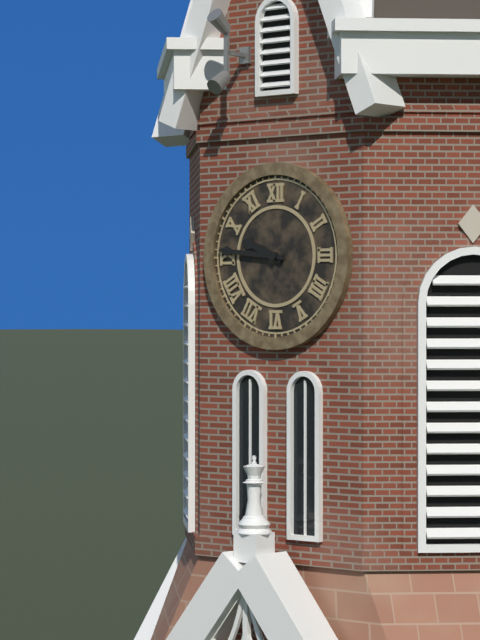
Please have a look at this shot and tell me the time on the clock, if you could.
9:46
